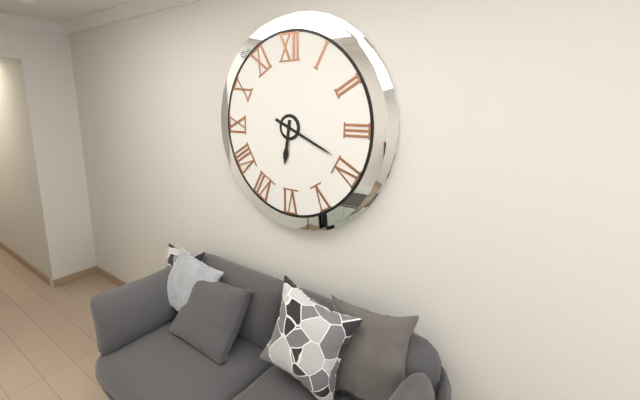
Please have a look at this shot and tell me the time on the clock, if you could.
6:19
